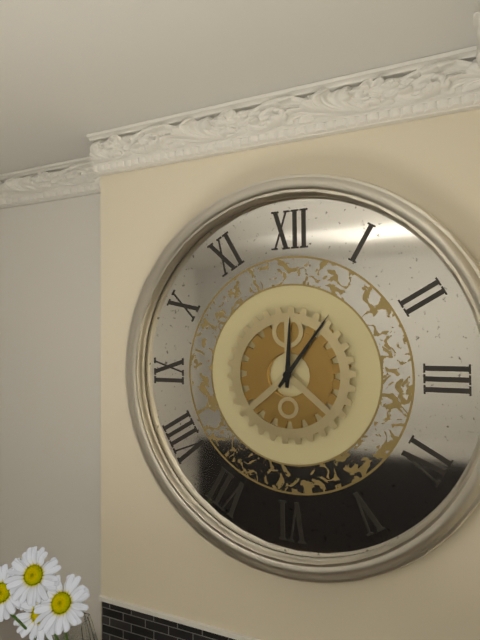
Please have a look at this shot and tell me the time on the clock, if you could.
12:06
